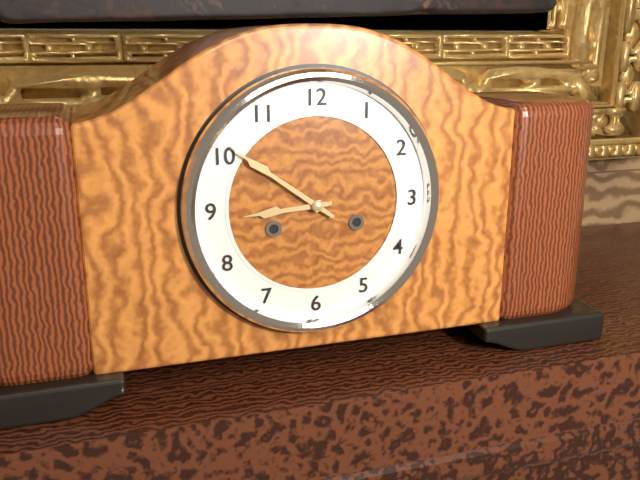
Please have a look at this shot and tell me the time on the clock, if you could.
8:51
